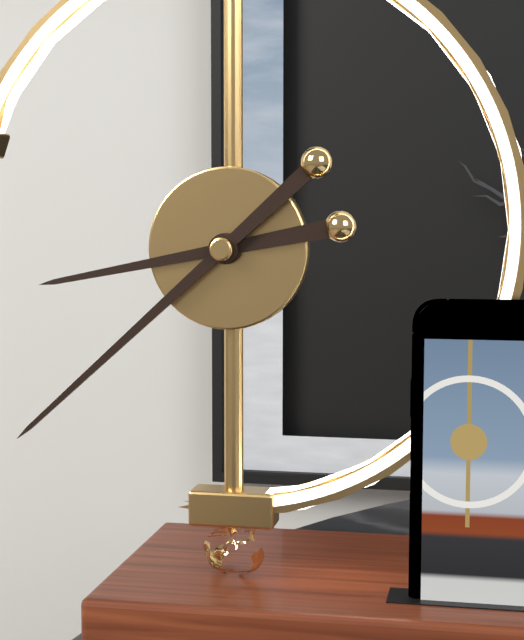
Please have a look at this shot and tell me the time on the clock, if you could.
8:38
